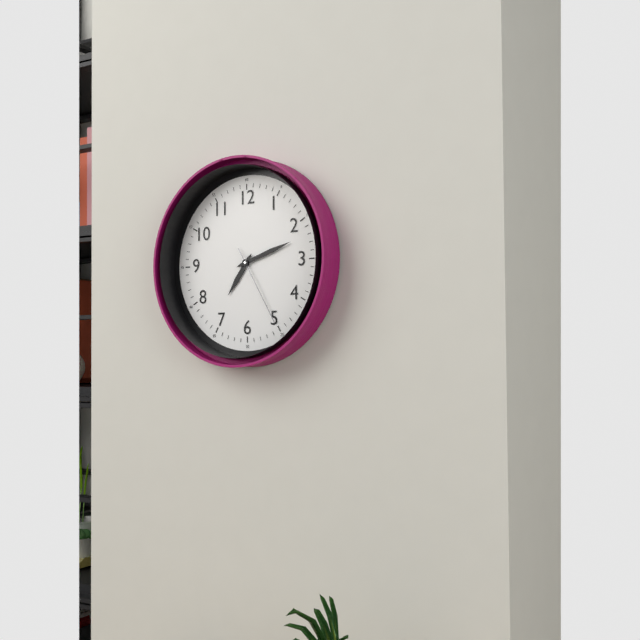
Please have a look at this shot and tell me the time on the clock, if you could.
7:12:25
